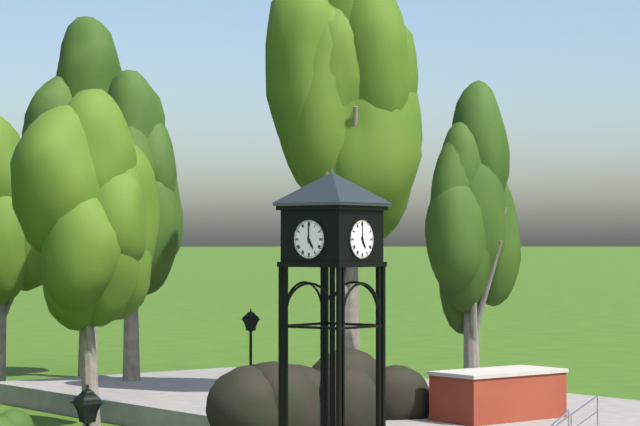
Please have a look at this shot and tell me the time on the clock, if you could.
5:00
